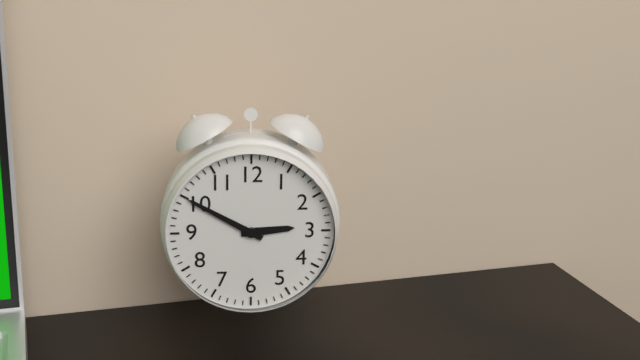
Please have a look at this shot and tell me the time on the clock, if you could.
2:50
